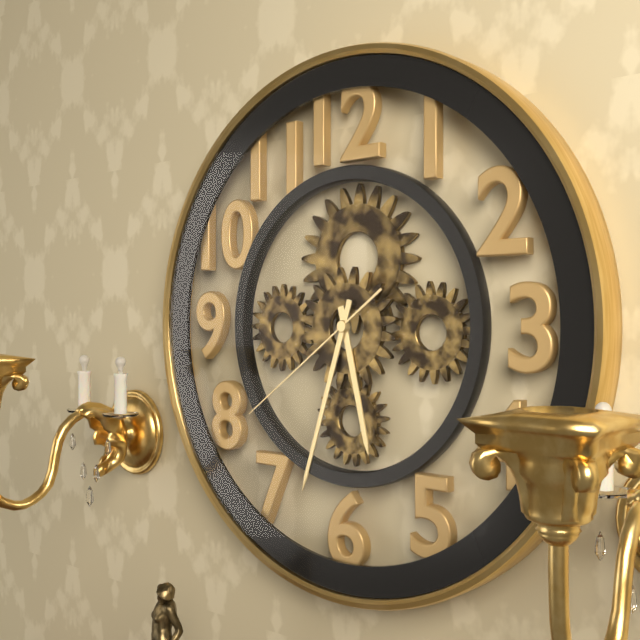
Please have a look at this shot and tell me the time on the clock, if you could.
5:33:39
